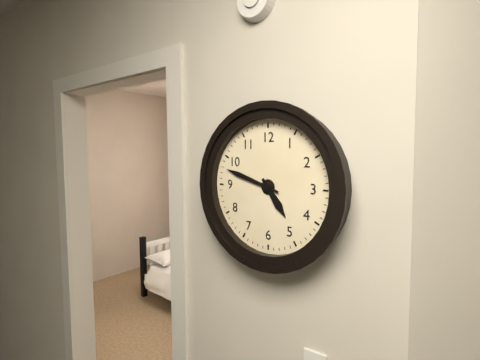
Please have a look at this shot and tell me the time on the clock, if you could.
4:48
